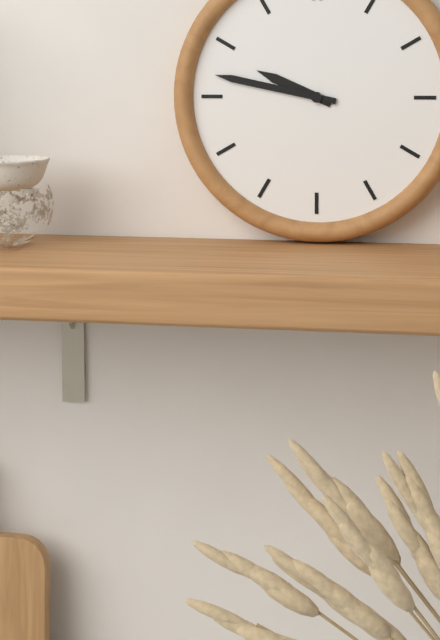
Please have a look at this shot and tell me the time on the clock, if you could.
9:47
